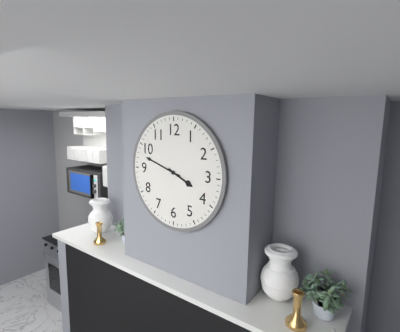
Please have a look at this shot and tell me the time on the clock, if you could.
3:48
